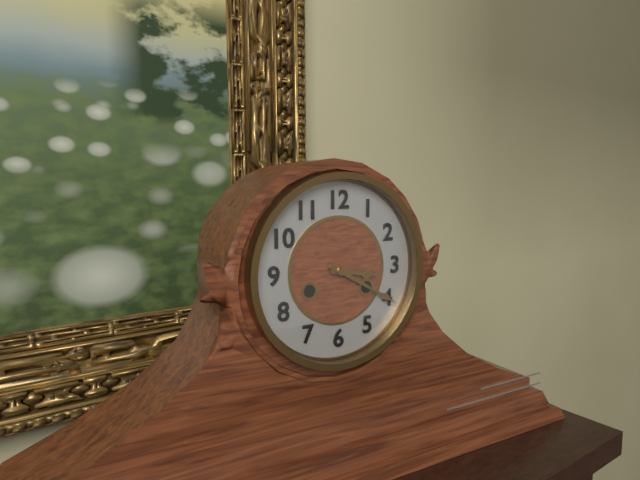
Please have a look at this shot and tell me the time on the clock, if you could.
3:20
